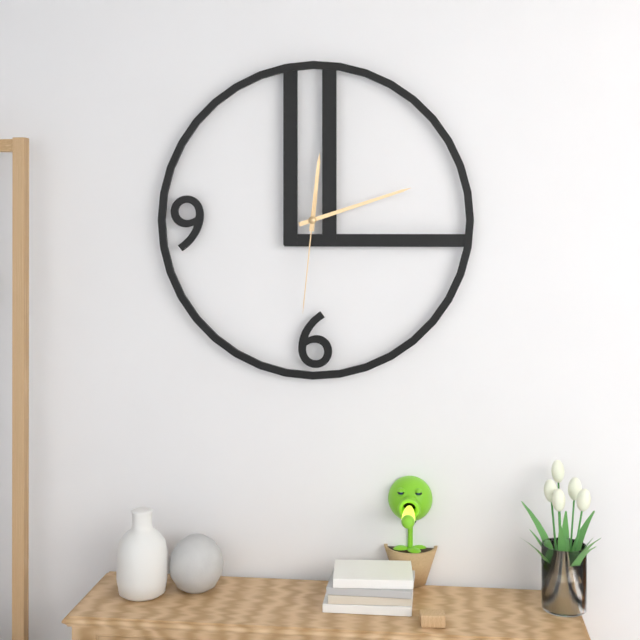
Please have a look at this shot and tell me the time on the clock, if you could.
12:12:31
